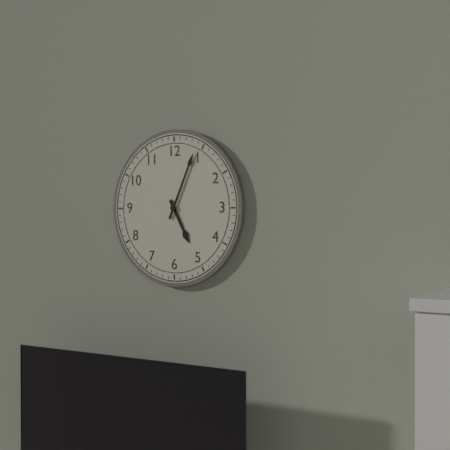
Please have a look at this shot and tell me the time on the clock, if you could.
5:04
